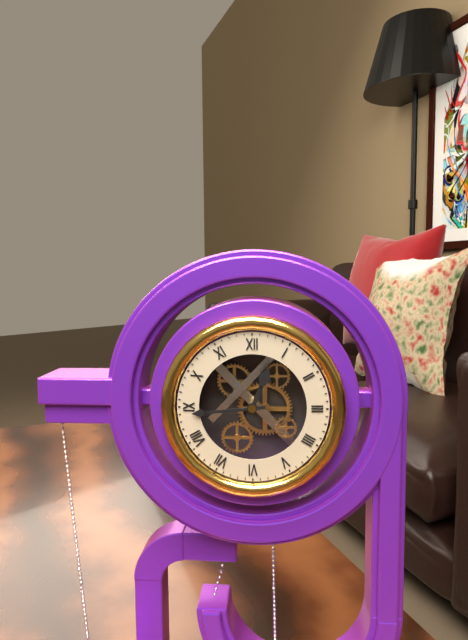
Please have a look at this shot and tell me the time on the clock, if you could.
12:44
